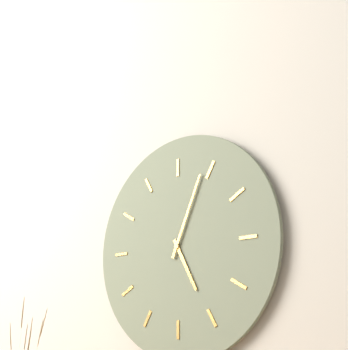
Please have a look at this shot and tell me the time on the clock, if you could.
5:04
